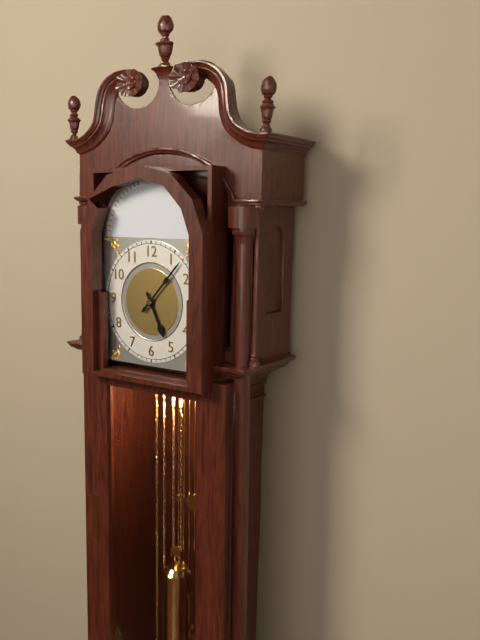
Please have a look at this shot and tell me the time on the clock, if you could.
5:07
